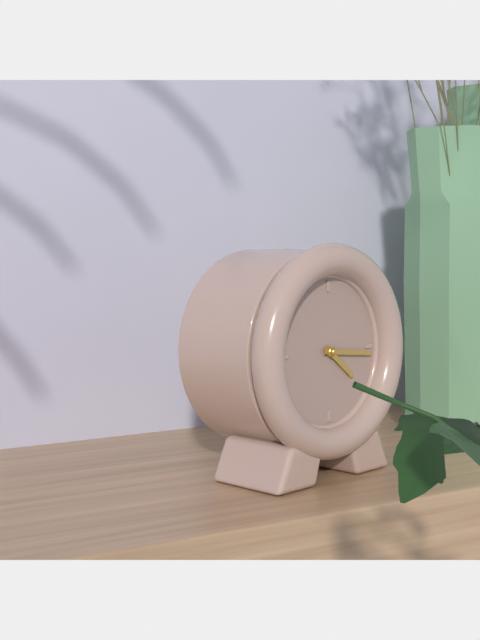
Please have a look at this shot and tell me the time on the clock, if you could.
4:16
